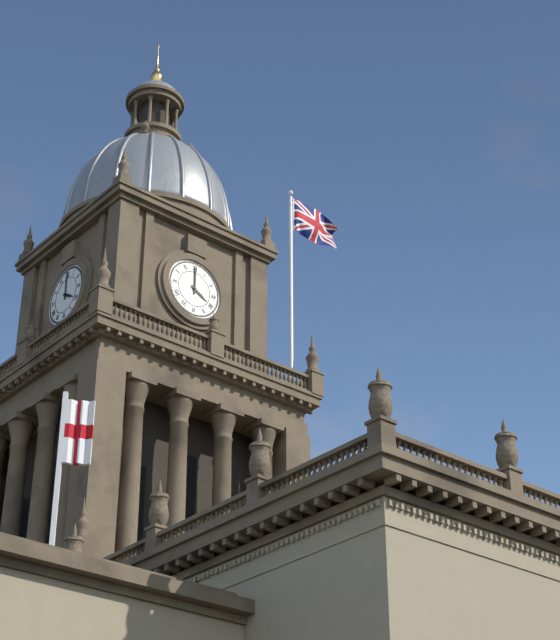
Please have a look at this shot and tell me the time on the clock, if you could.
4:00
